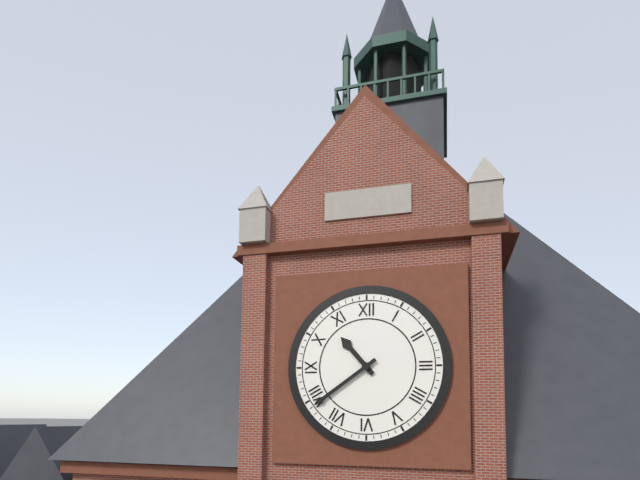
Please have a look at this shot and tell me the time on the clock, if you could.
10:39
